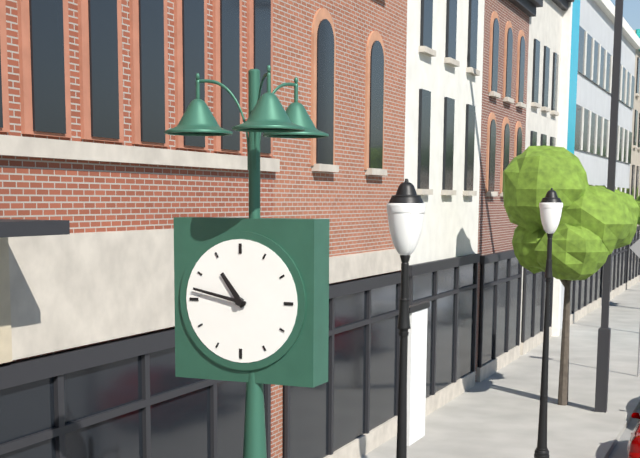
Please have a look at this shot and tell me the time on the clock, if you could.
10:47
